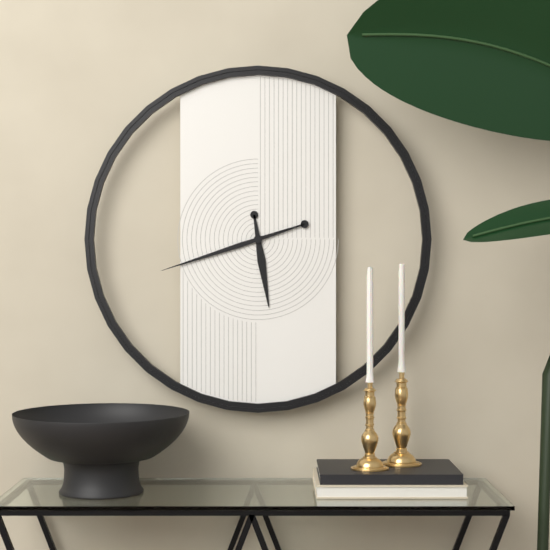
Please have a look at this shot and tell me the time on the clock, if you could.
5:42
